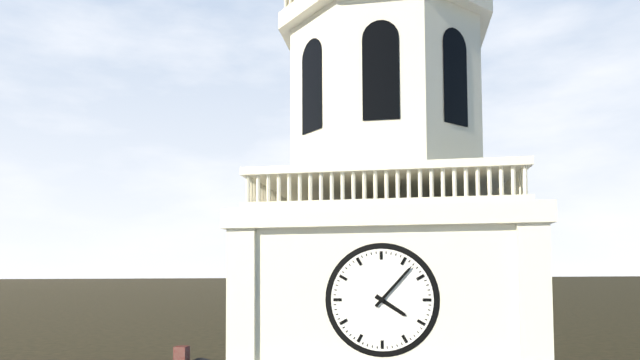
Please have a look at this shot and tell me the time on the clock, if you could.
4:07
